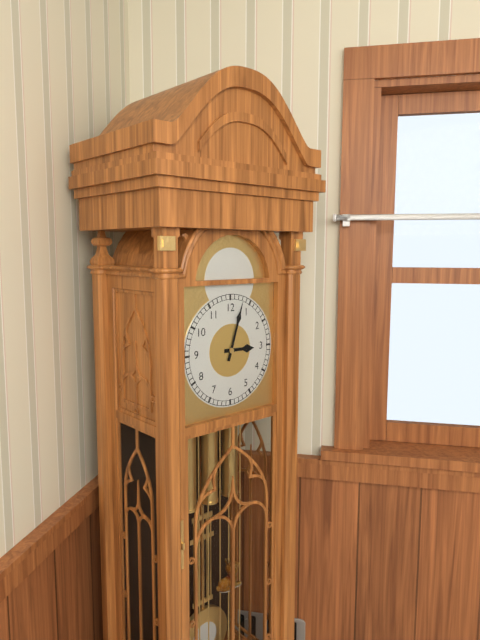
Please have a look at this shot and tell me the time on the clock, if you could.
3:03
